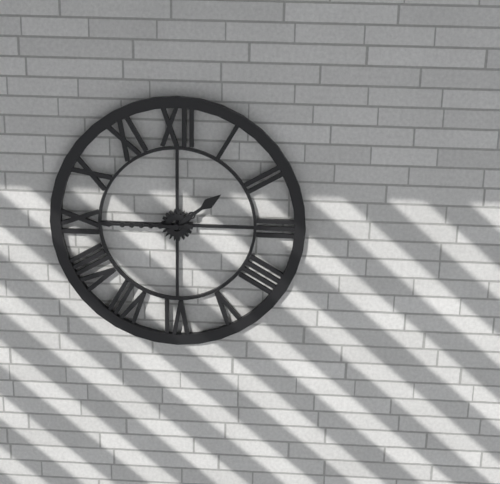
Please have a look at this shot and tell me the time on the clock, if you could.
1:45
